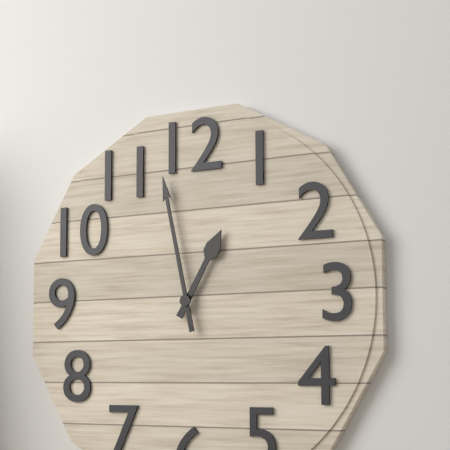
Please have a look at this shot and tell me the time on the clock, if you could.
12:58
